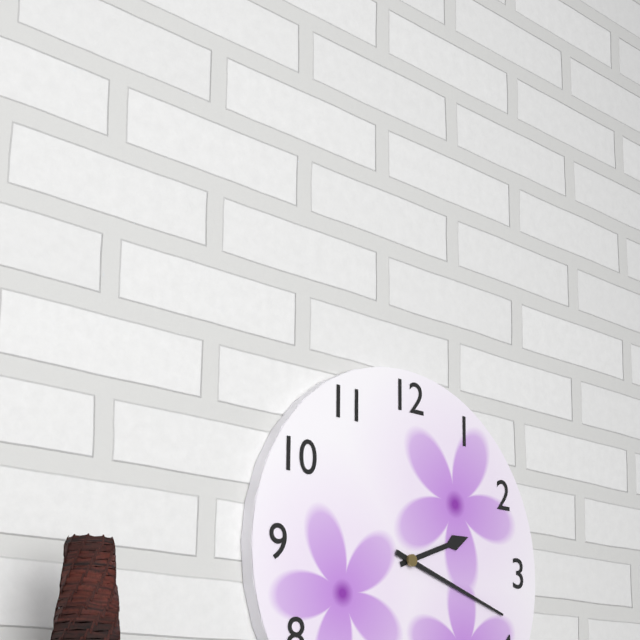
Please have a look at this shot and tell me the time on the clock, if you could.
2:18
